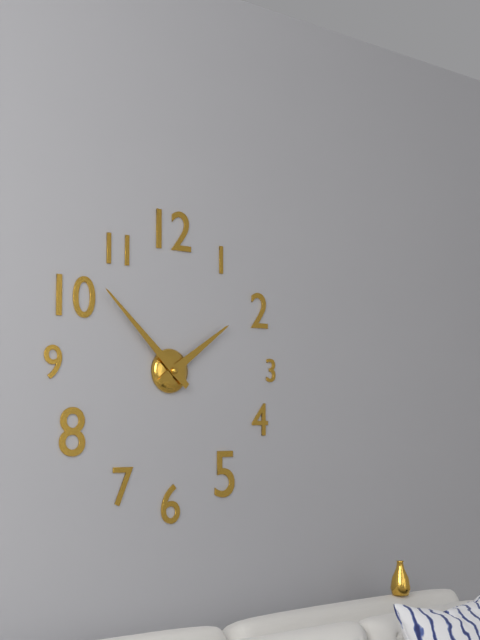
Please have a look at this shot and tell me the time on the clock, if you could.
1:52
